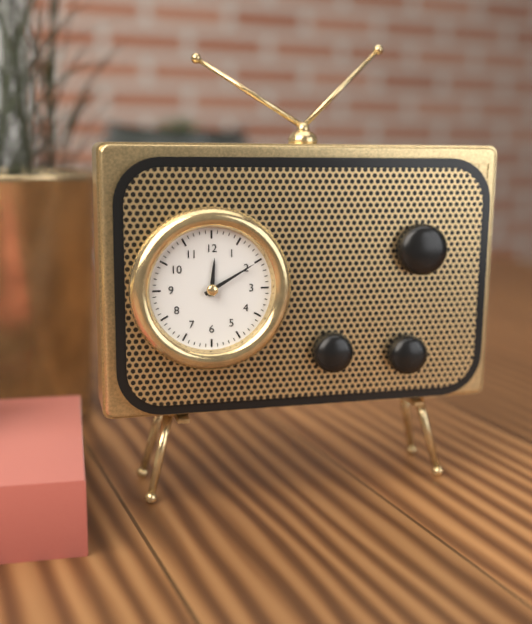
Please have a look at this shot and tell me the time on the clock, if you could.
12:10
